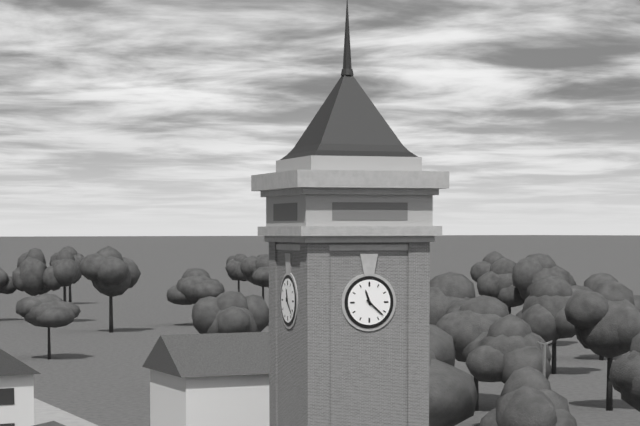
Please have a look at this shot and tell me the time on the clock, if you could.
11:22
